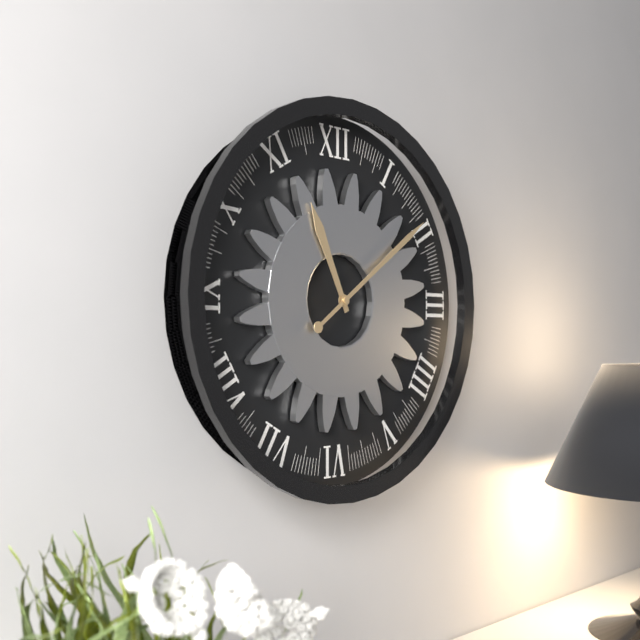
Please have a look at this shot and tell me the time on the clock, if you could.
11:09
